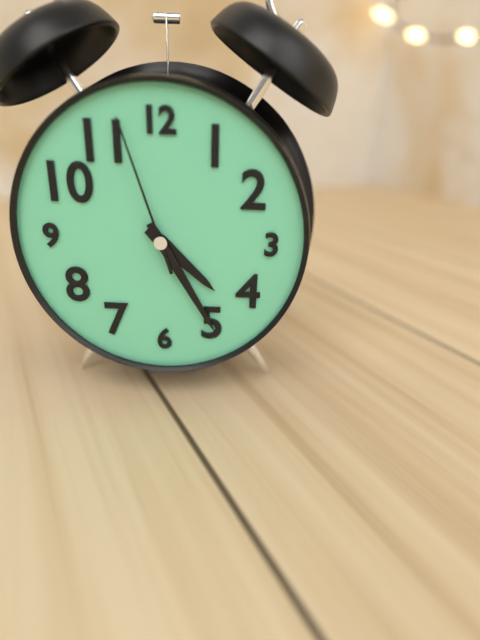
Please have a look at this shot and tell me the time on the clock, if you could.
4:25:57
